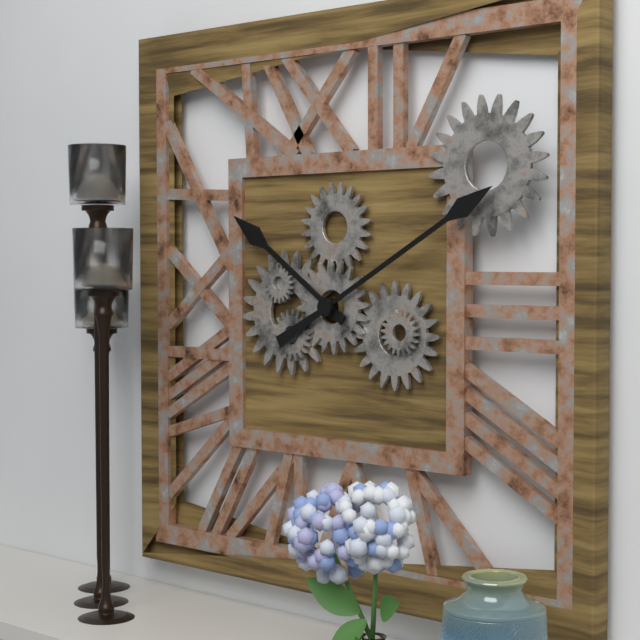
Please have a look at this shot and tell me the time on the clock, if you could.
10:10
